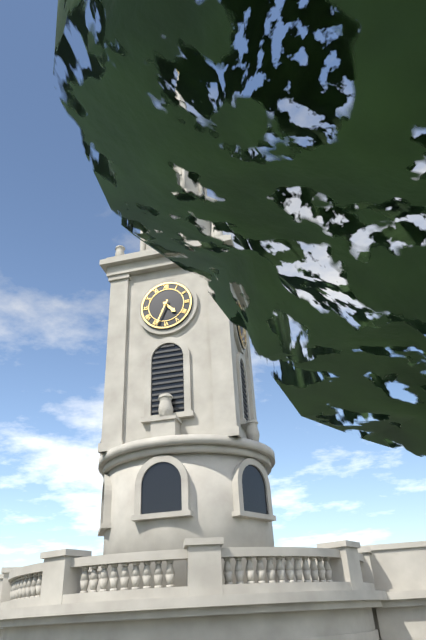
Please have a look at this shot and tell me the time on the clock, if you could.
4:34
